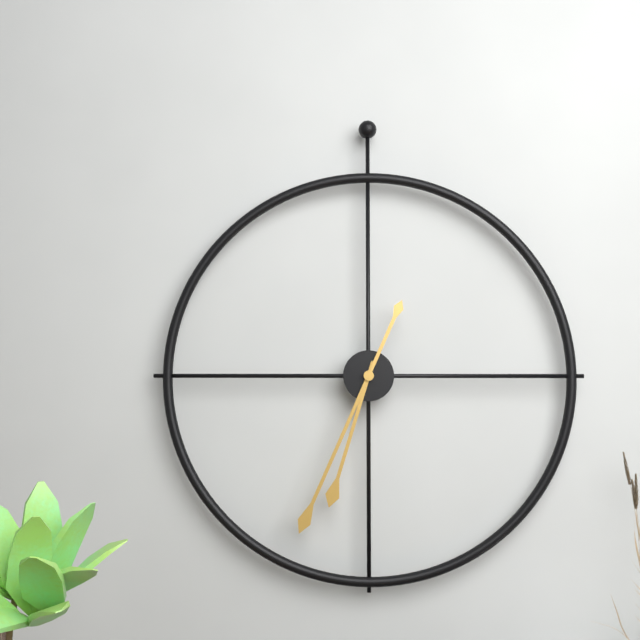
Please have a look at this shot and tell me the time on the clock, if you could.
6:34
